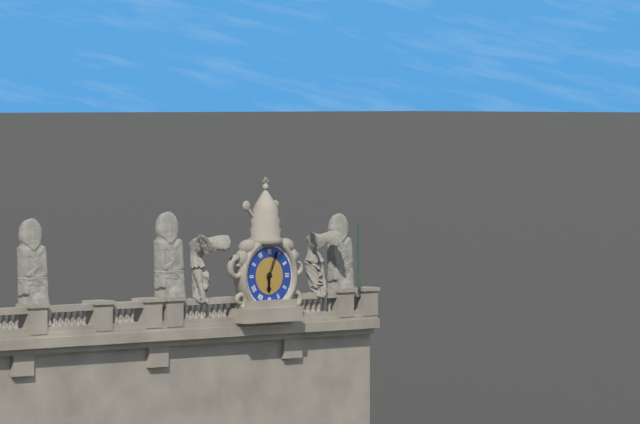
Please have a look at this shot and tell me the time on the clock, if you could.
6:04
